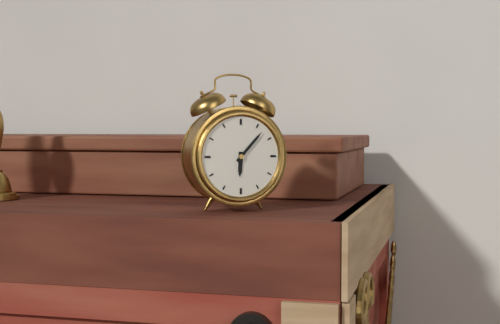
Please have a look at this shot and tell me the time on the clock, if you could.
6:07
